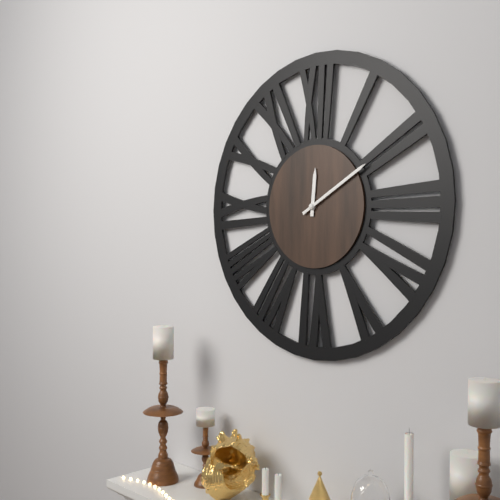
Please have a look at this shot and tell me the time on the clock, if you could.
12:10
